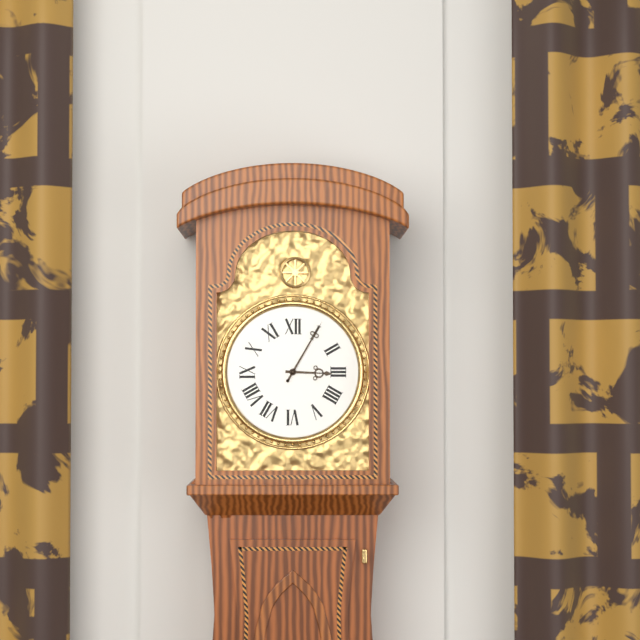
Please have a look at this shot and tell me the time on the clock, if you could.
3:05
